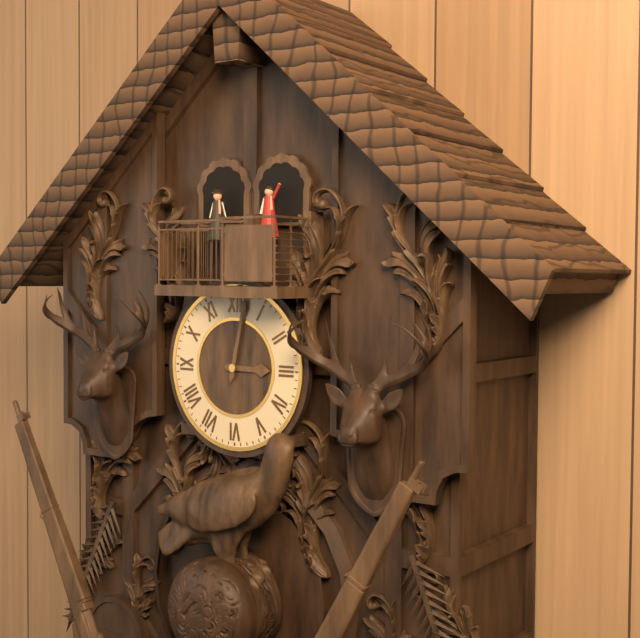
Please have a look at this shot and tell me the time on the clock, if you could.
3:02
